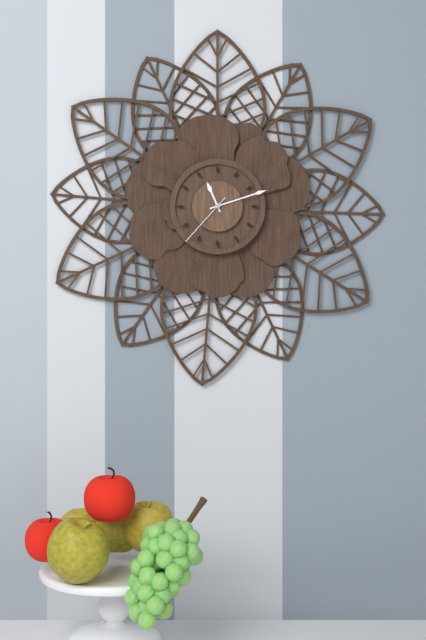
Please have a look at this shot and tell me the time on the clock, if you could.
11:12:37
